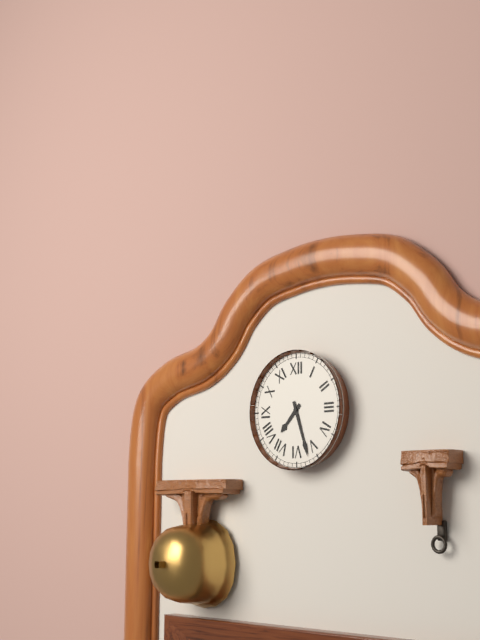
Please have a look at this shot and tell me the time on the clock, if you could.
7:27
